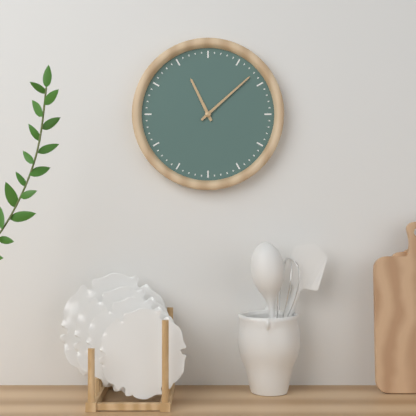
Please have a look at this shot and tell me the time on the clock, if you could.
11:08
